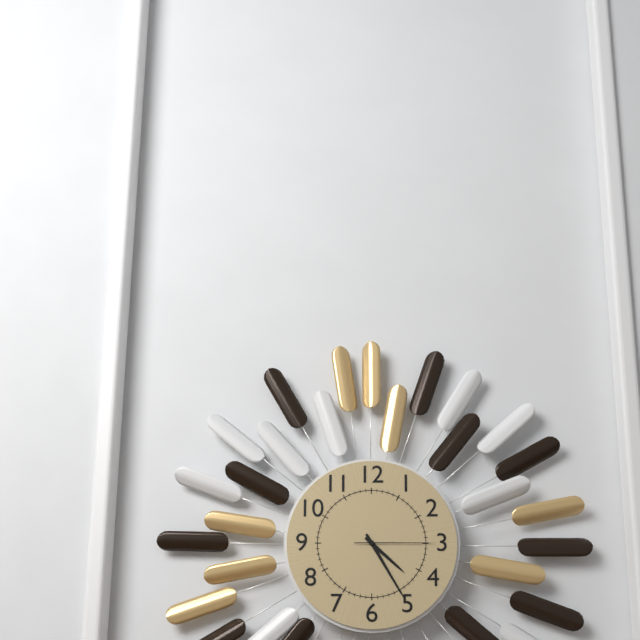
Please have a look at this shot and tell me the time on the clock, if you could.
4:25:15
